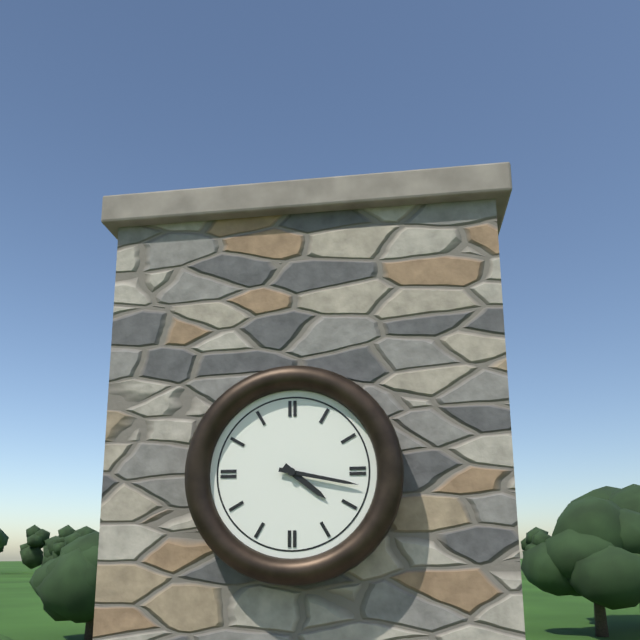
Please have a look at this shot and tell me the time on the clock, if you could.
4:17
